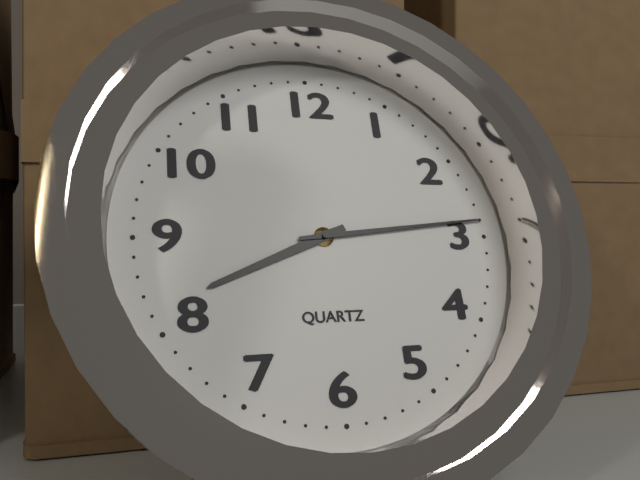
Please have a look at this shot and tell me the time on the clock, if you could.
8:14
